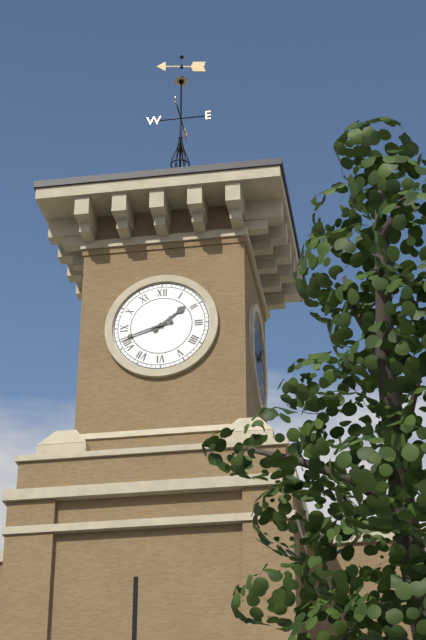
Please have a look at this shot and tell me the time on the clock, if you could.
1:42
